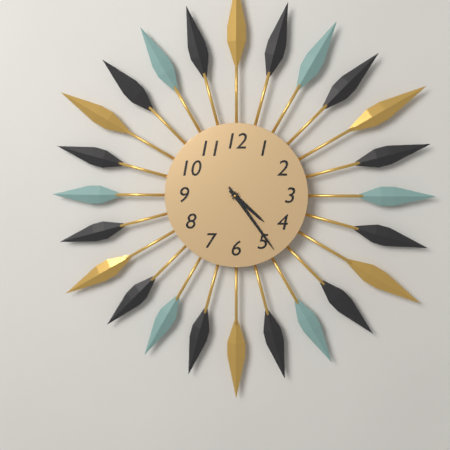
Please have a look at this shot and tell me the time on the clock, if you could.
4:24
